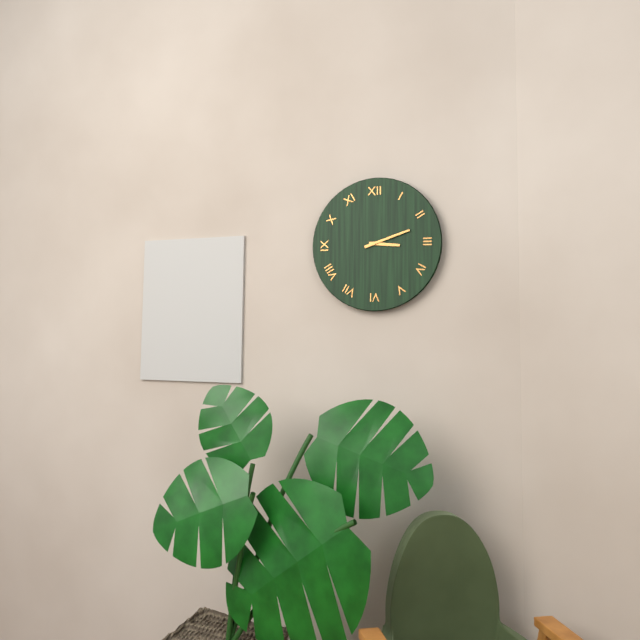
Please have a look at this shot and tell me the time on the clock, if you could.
3:12
